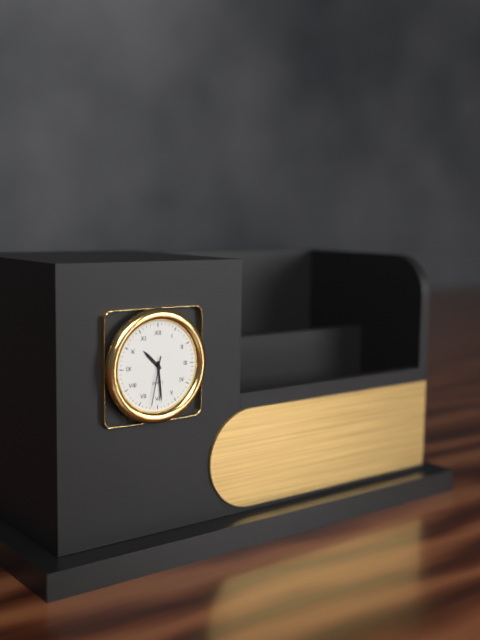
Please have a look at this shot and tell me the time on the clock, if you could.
10:29:32
